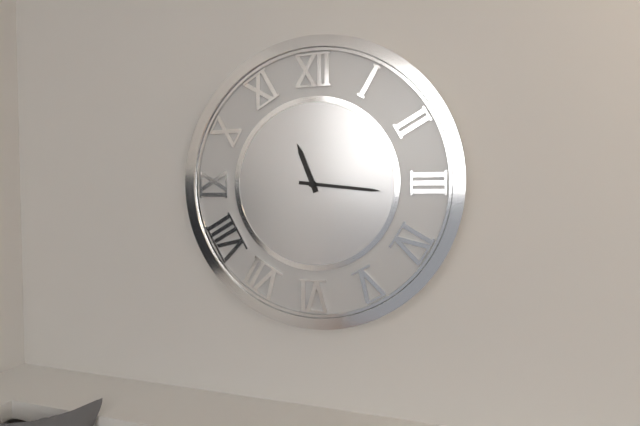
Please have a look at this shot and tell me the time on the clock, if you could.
11:16
